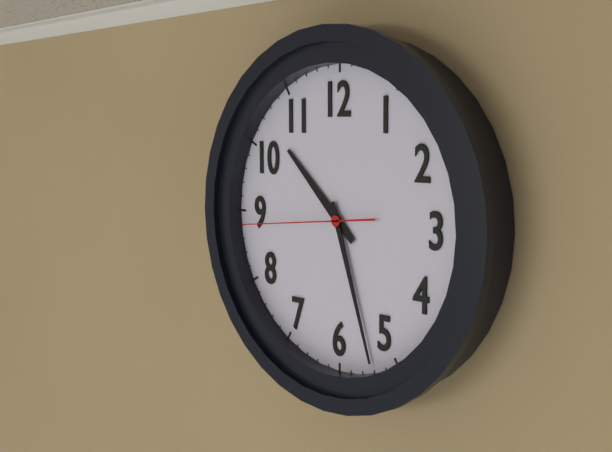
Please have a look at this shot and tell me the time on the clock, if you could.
10:27:44
